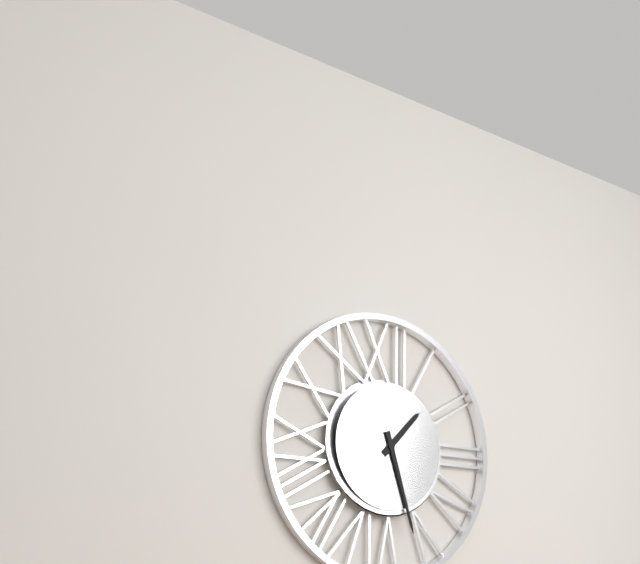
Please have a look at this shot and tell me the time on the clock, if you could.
1:27
